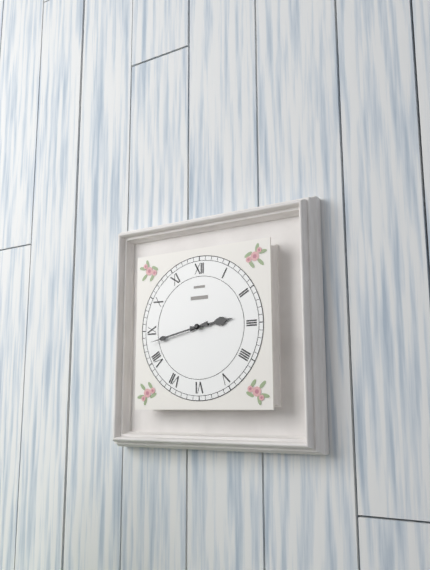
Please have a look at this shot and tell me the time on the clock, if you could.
2:43
